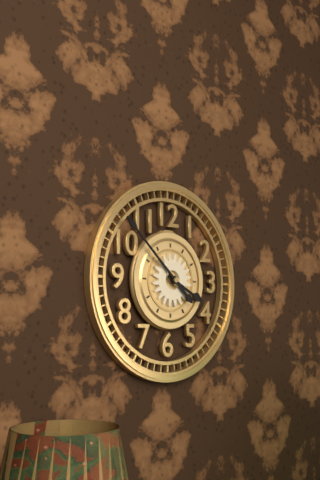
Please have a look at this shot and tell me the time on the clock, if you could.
3:52
